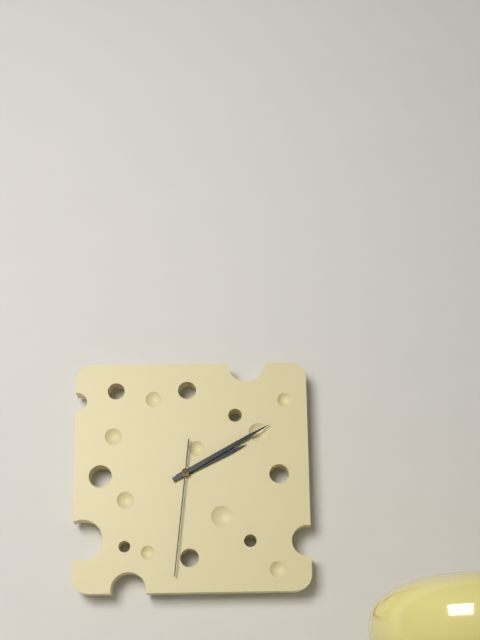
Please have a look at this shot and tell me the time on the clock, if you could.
2:10:31
